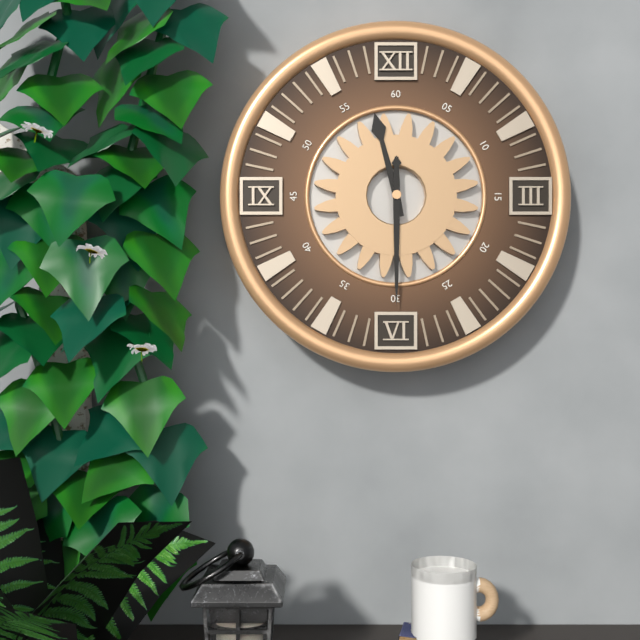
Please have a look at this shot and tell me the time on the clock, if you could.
11:30
